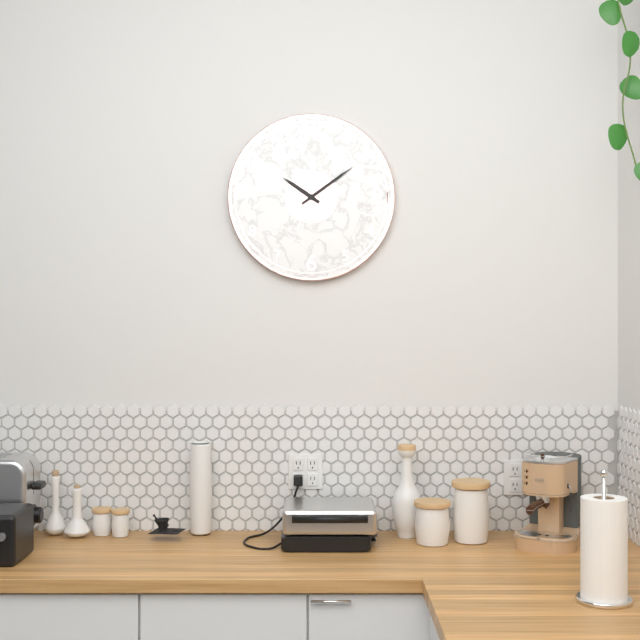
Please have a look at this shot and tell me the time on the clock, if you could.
10:09
